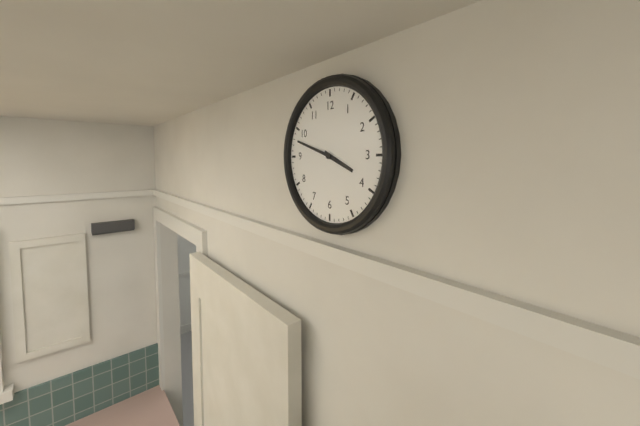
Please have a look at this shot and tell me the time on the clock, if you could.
3:48
